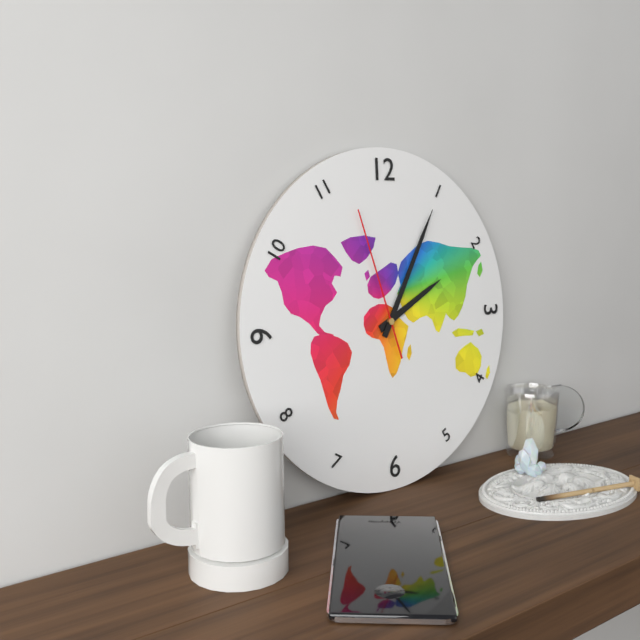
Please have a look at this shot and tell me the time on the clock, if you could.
2:05:57
